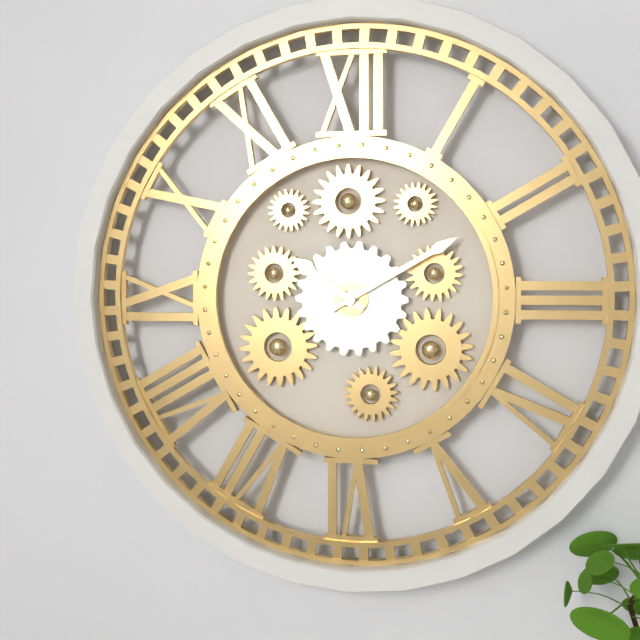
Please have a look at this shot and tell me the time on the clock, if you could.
10:10
